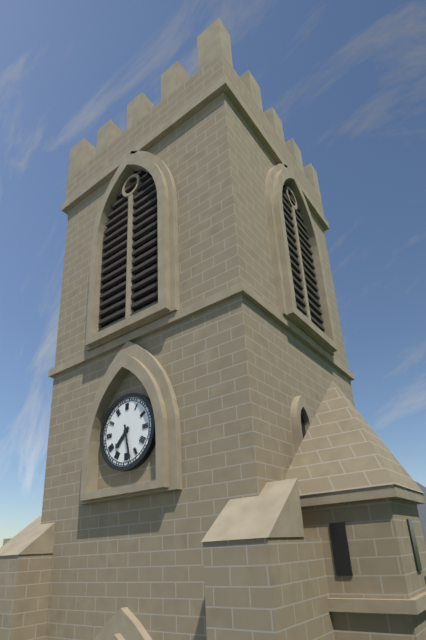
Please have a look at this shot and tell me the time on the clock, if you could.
7:28
